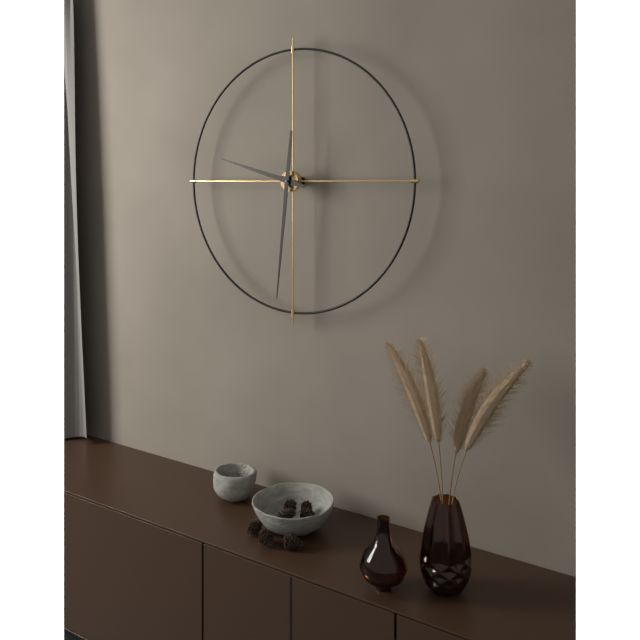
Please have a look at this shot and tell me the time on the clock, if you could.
9:31
